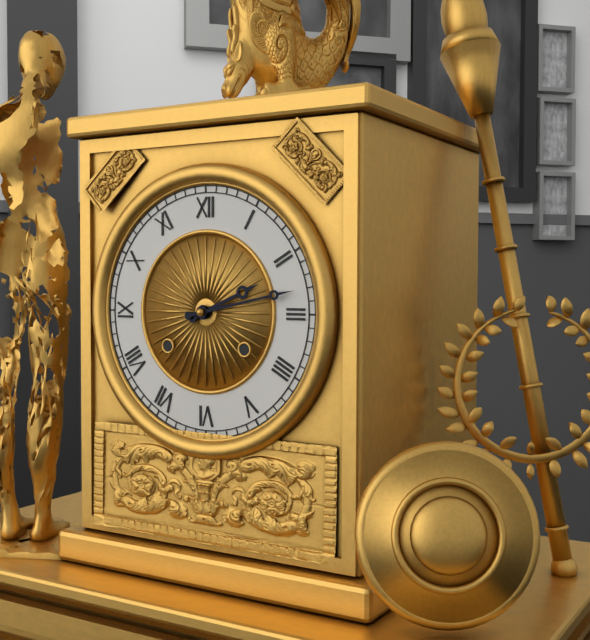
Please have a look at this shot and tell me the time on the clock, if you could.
2:13
